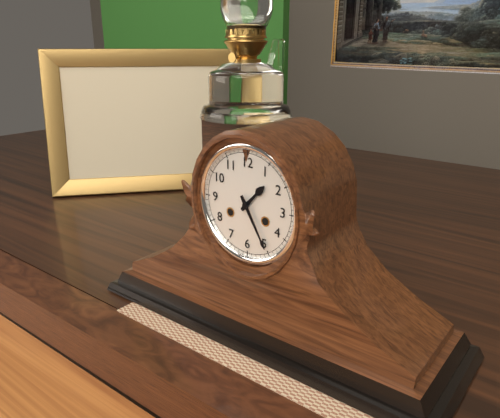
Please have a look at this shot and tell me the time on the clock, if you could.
1:25
